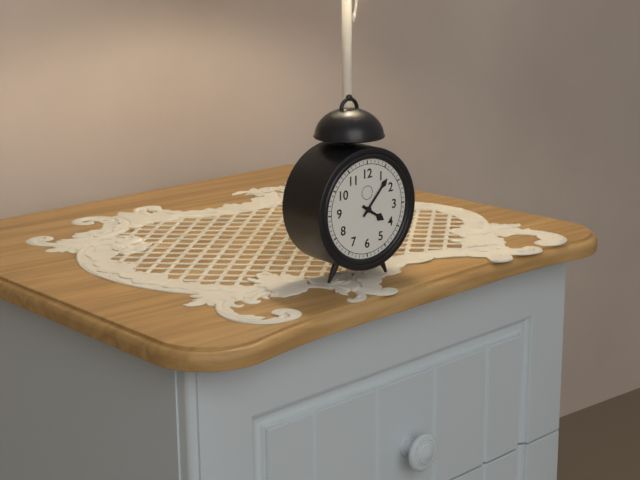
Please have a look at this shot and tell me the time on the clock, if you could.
4:07
